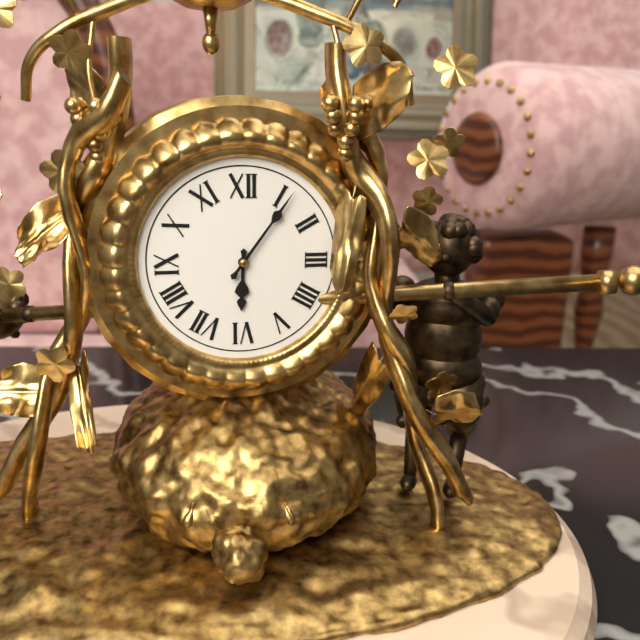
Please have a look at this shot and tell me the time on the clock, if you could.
6:06
